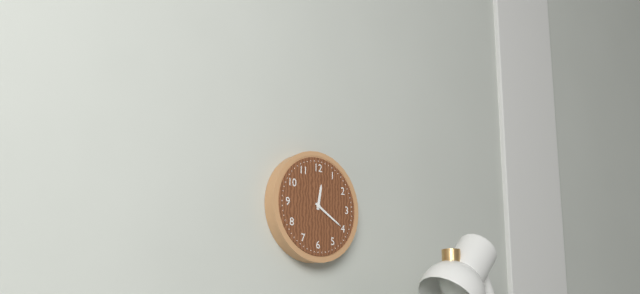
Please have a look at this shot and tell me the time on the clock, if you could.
12:20
